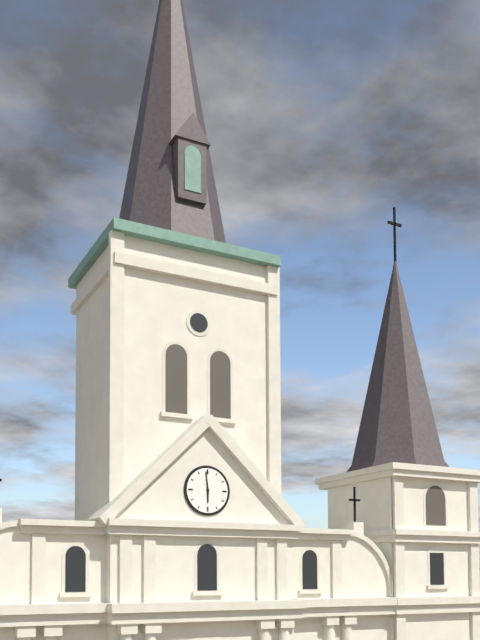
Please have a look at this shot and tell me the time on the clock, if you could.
5:59
